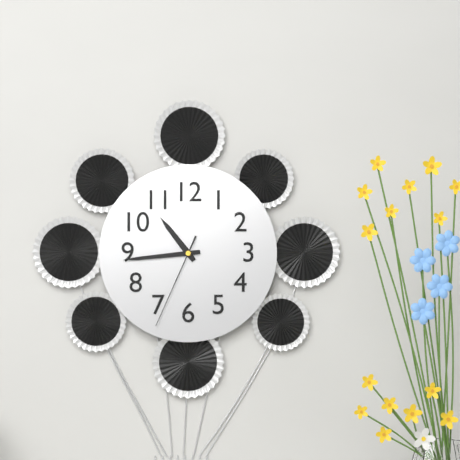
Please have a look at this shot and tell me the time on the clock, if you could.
10:44:34
